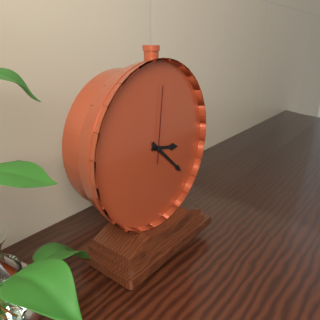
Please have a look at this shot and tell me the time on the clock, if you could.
3:22:01
